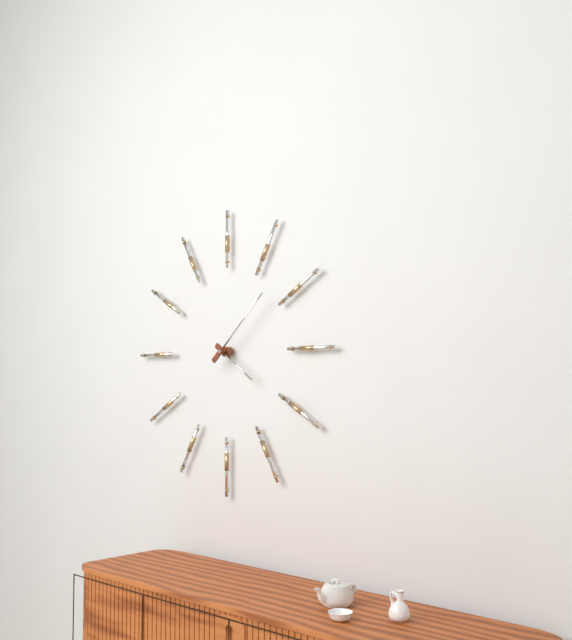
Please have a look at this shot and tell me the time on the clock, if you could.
4:08
